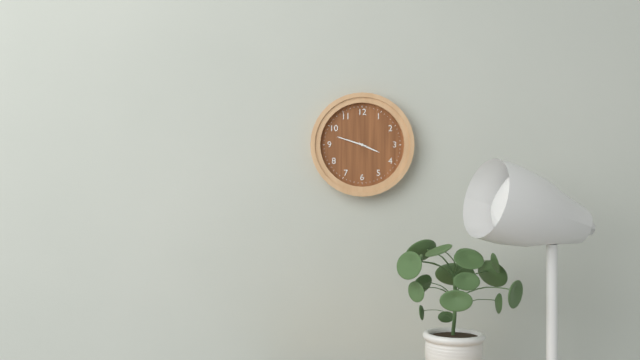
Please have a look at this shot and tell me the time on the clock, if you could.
3:48
